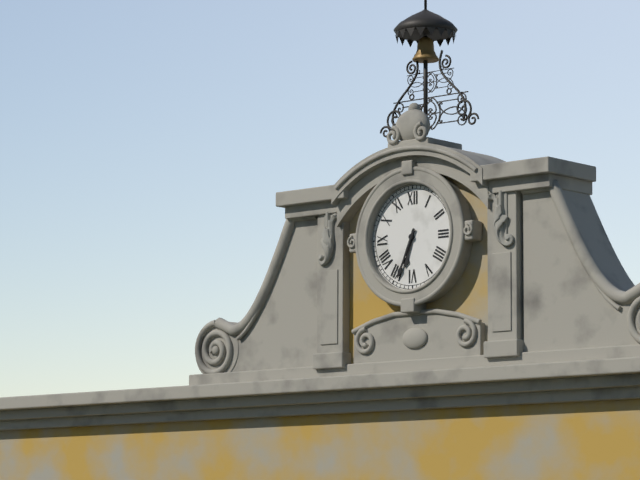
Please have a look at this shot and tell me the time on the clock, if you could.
6:34
